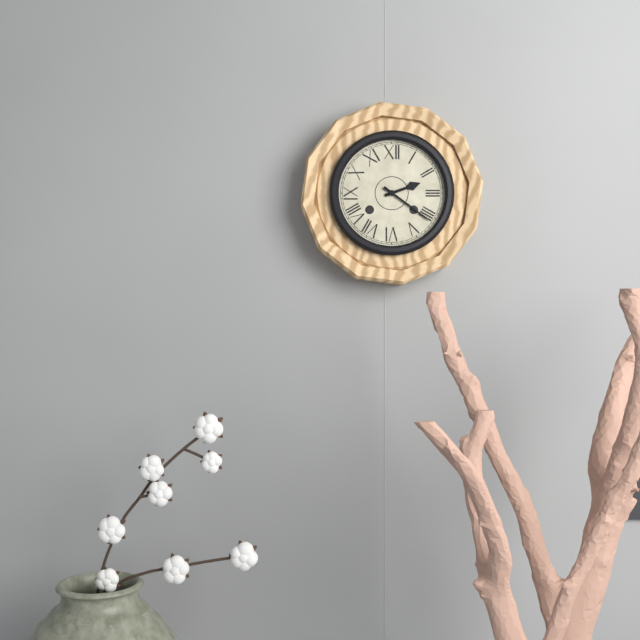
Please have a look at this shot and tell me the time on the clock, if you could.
2:21
